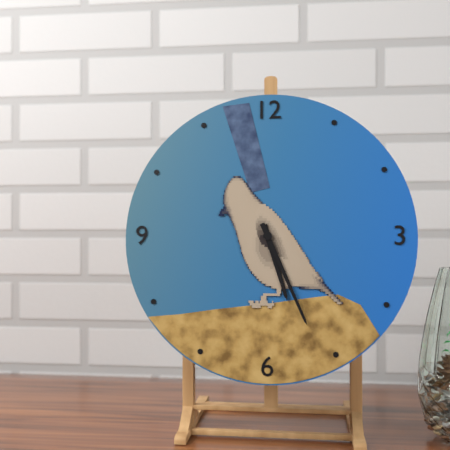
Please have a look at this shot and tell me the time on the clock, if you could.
5:26
